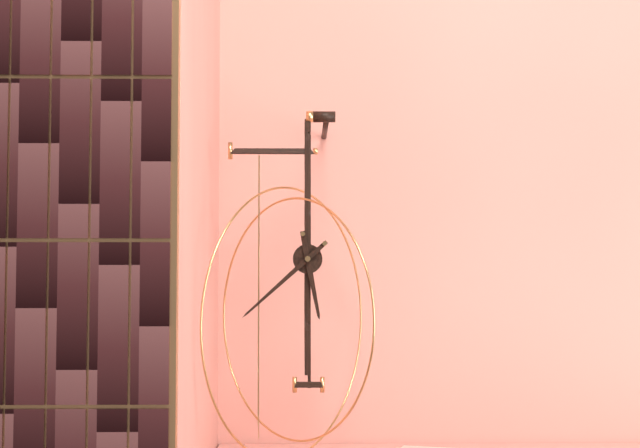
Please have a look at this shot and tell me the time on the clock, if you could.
5:38
